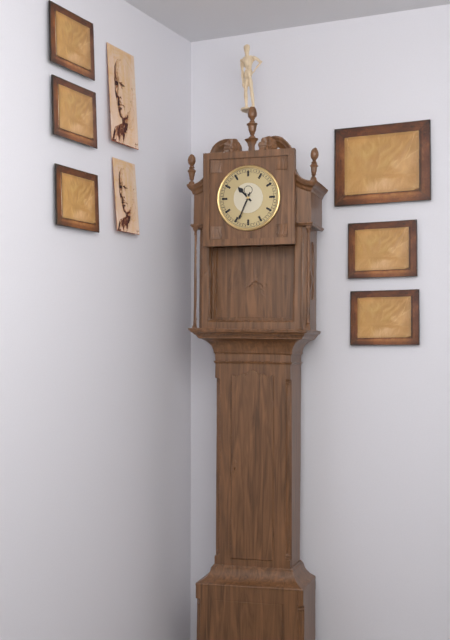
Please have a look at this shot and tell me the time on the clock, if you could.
10:34
